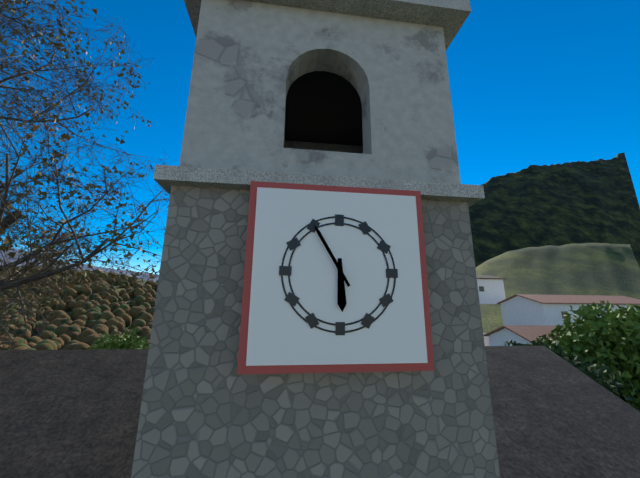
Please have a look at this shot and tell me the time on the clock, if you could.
5:55
